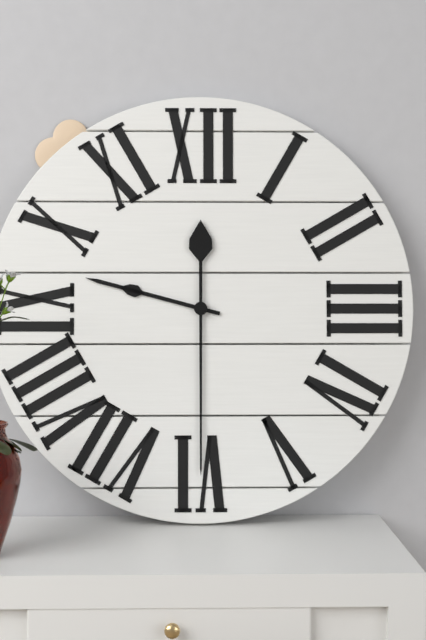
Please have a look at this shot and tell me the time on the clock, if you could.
9:30
